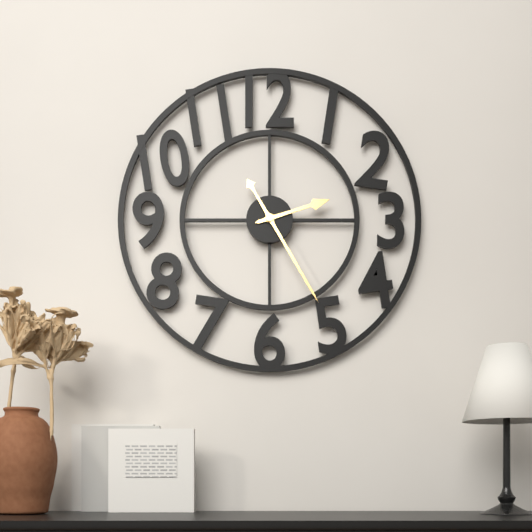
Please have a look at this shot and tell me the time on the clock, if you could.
2:25
